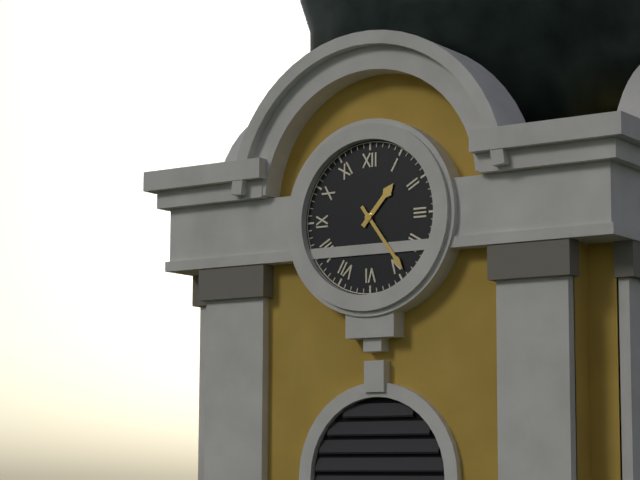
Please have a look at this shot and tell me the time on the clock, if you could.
1:24
